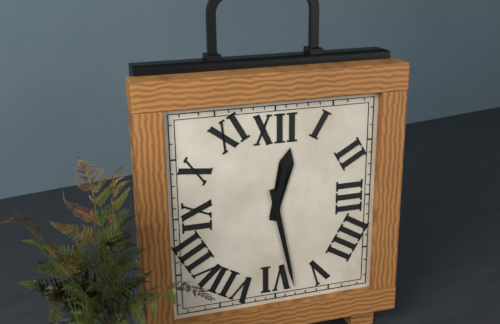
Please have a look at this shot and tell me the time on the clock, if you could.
12:28
